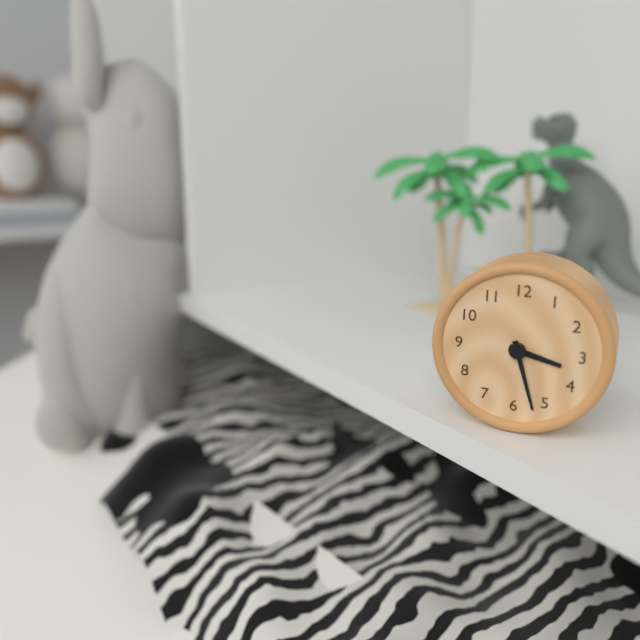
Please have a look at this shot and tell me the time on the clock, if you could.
3:27
